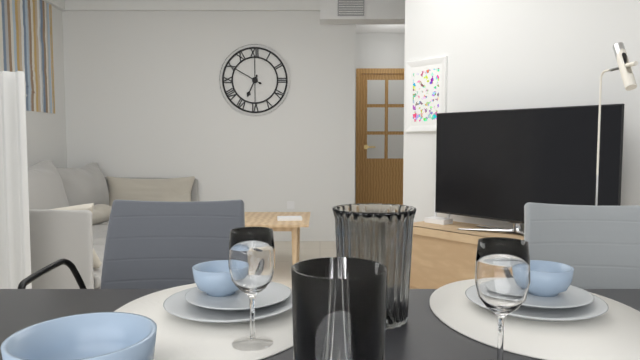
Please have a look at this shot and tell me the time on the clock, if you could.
6:50
